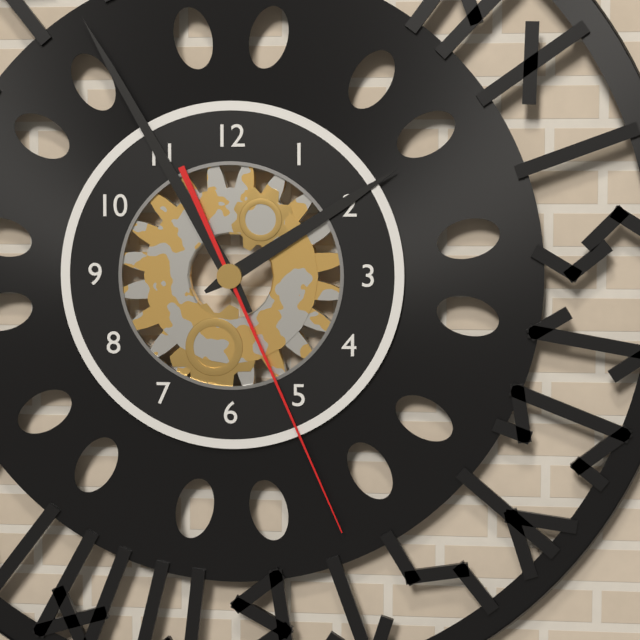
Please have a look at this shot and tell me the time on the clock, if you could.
1:55:26
